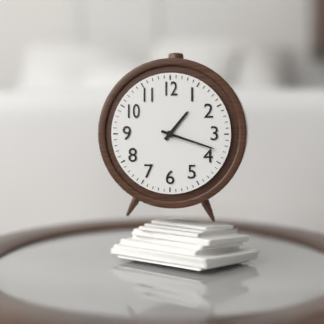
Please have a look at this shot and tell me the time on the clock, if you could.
1:18
